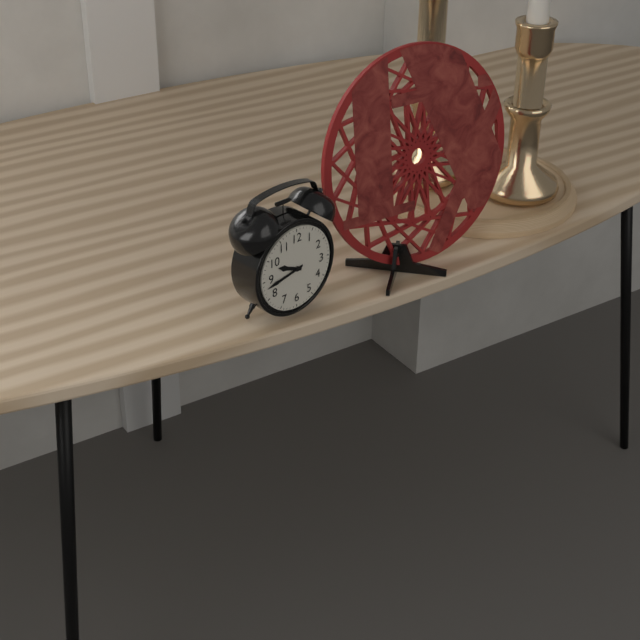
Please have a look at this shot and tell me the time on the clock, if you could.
9:43
